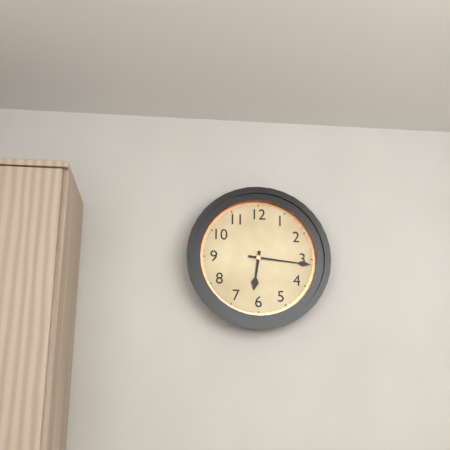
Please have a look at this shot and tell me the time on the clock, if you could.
6:16
